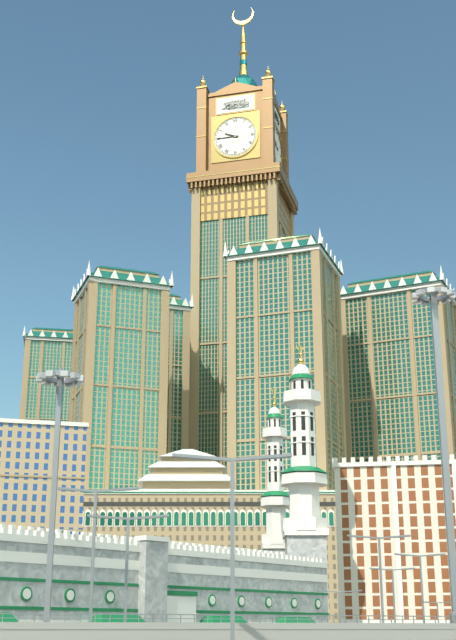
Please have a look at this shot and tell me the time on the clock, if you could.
9:45
